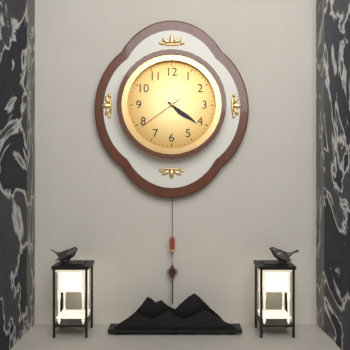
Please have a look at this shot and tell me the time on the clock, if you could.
4:21
